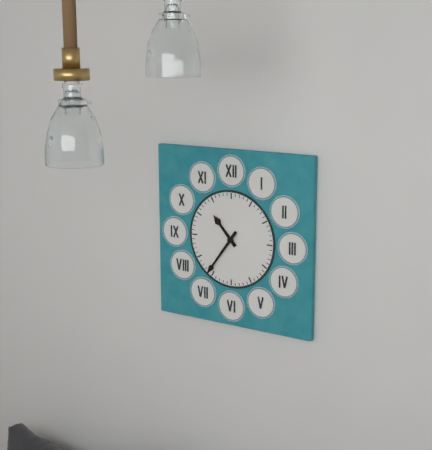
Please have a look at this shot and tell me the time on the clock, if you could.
10:36
